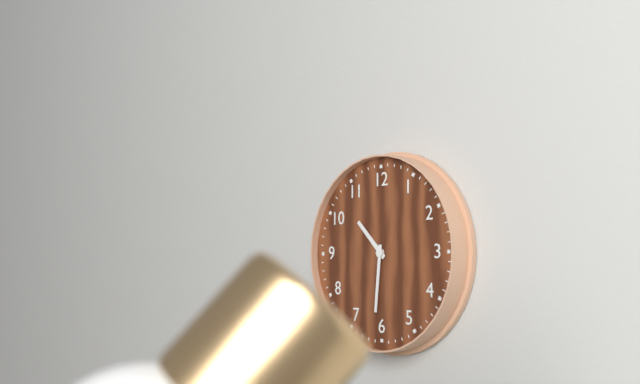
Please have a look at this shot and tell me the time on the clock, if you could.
10:31
